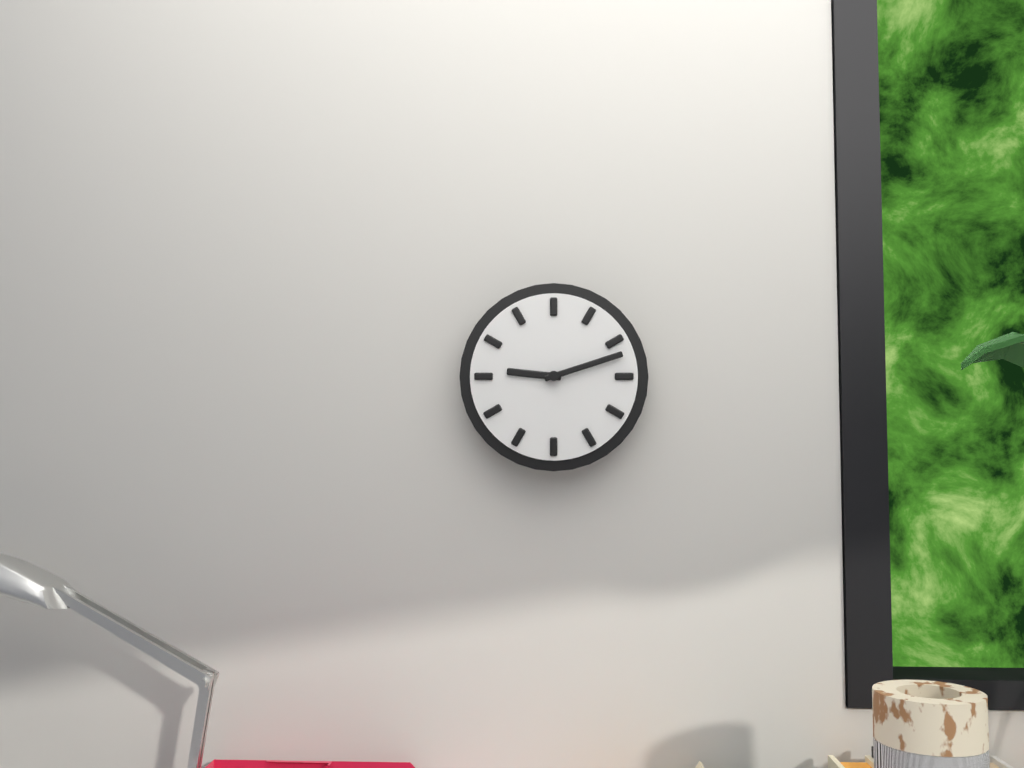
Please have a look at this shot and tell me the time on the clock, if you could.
9:12
